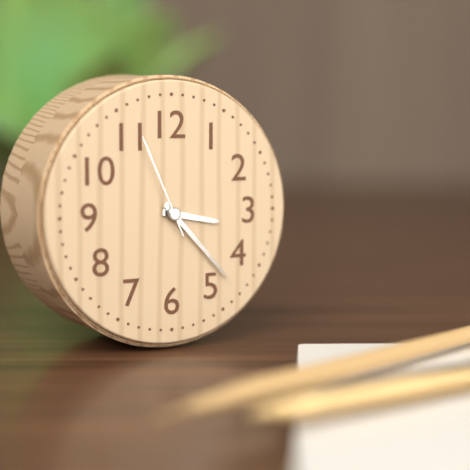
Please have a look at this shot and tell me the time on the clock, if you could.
3:23:56
